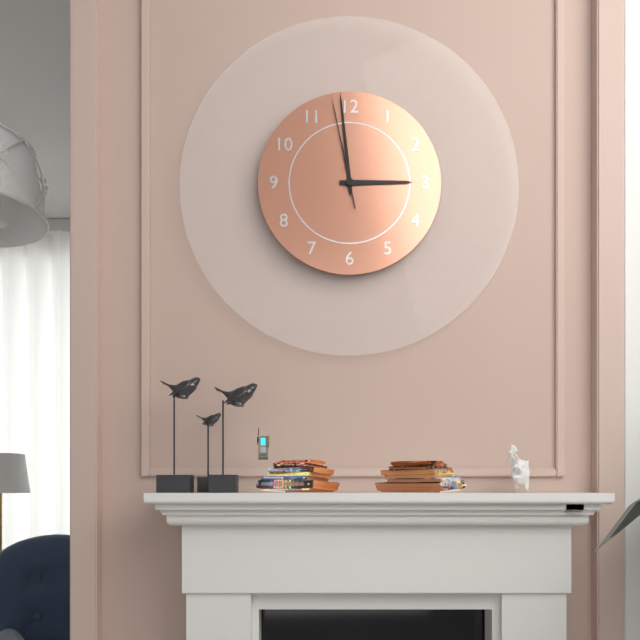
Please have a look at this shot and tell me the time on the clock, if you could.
2:59:58
